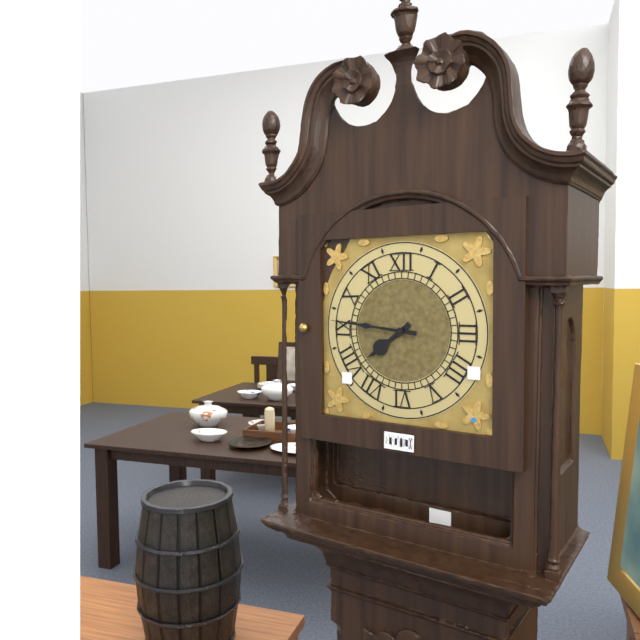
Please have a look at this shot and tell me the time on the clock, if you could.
7:46
